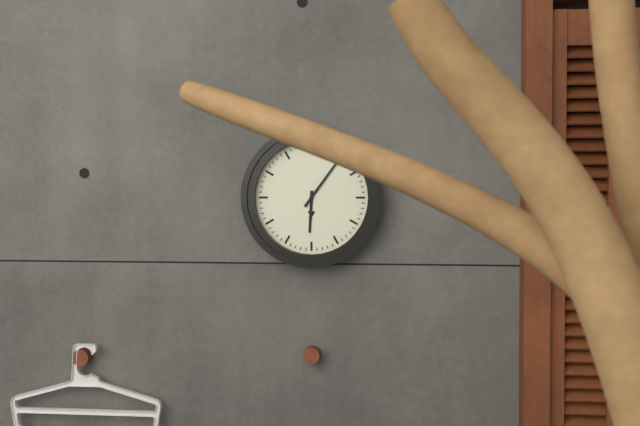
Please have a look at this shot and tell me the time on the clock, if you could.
6:06
